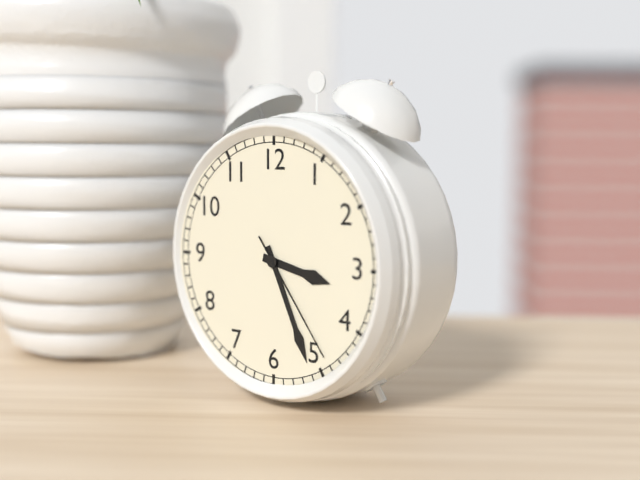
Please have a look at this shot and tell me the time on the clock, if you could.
3:26:24
